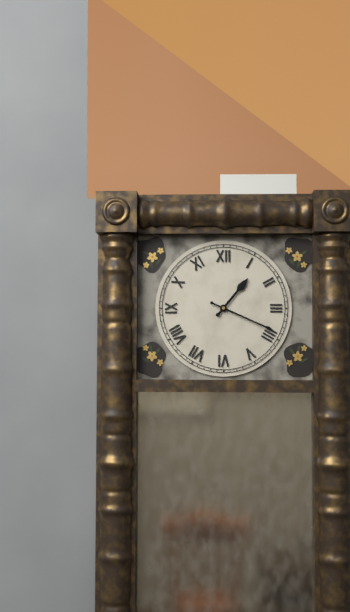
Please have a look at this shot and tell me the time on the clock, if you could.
1:19
